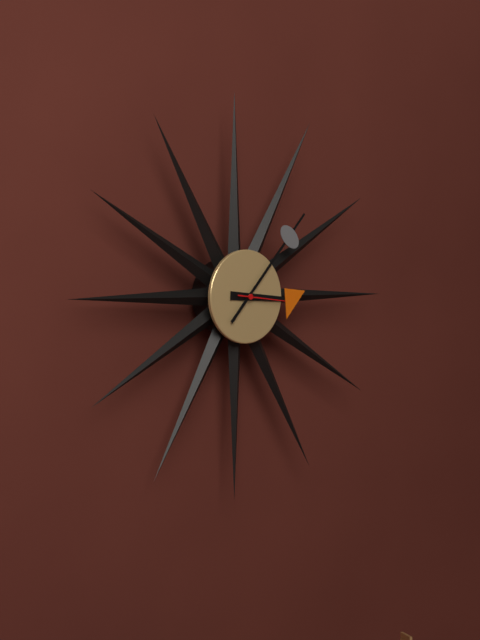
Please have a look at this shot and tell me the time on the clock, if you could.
3:07:16
